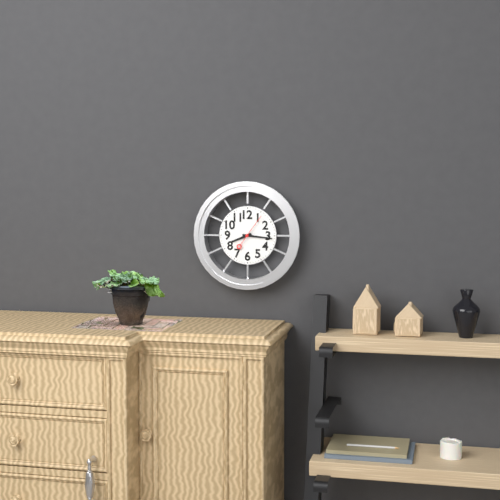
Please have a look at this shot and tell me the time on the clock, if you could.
8:16
